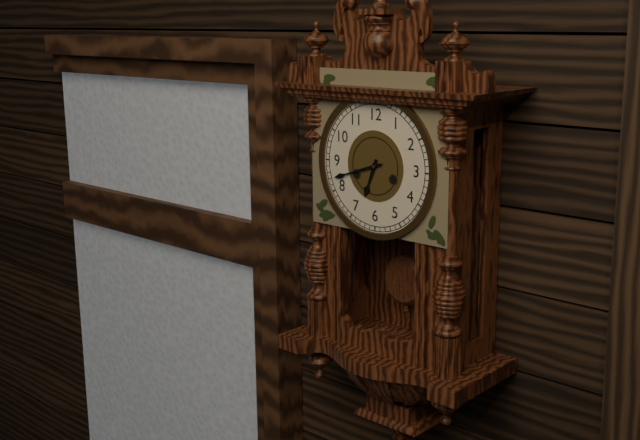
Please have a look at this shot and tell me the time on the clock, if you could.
6:42
